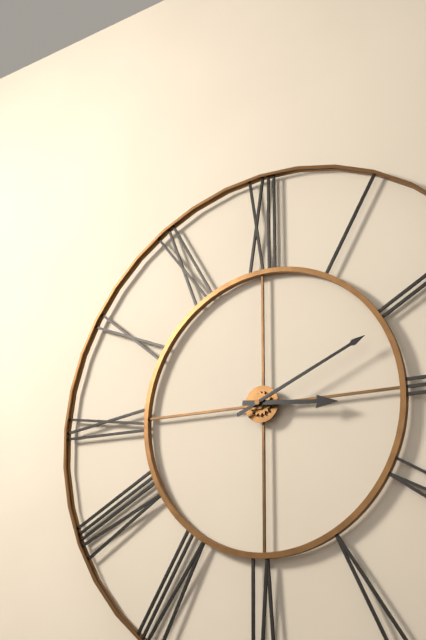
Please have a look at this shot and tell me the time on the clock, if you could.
3:11
